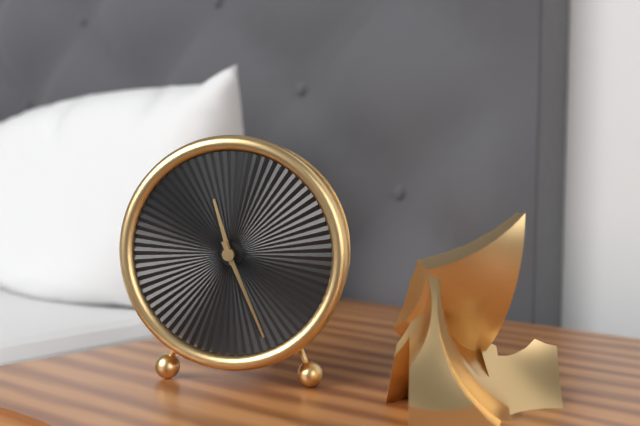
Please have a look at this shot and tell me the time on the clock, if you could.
11:26
